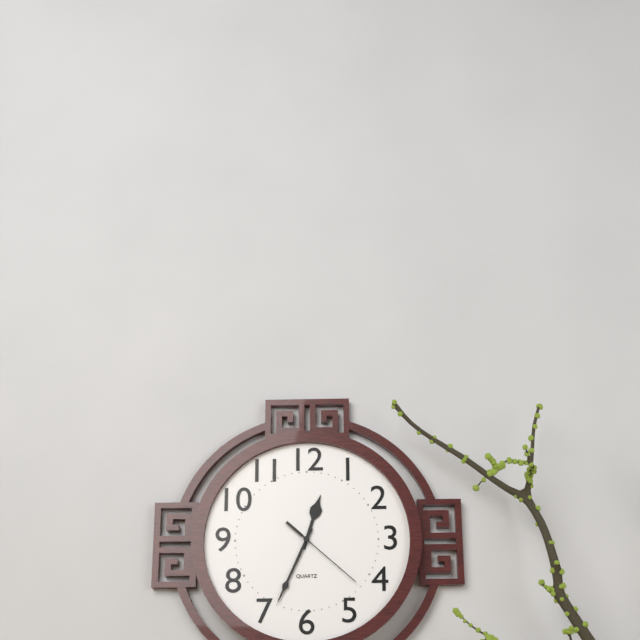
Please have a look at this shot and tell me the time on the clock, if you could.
12:34:22
